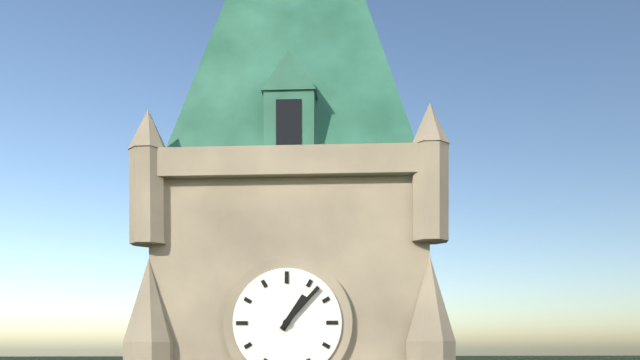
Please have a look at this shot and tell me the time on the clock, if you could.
1:07
